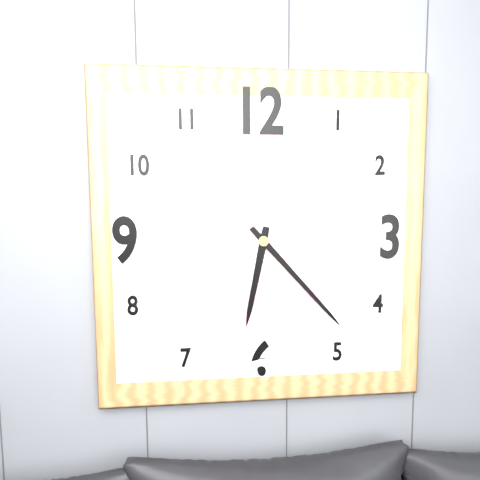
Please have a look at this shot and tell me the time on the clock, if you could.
6:23
